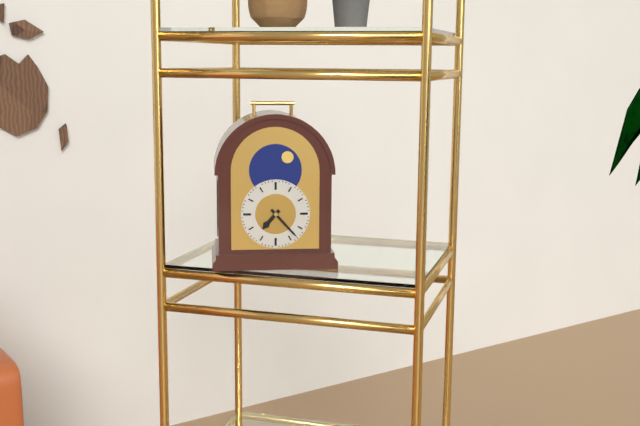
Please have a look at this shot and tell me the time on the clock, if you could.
7:23
